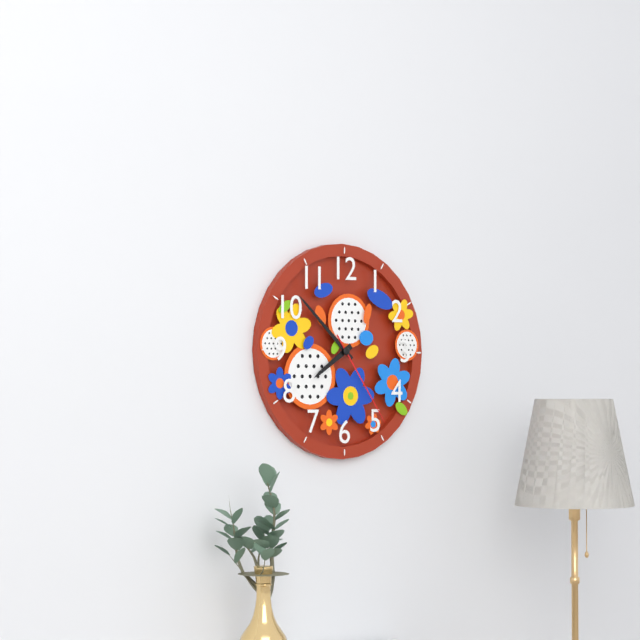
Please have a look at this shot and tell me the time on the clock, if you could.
7:52:24
